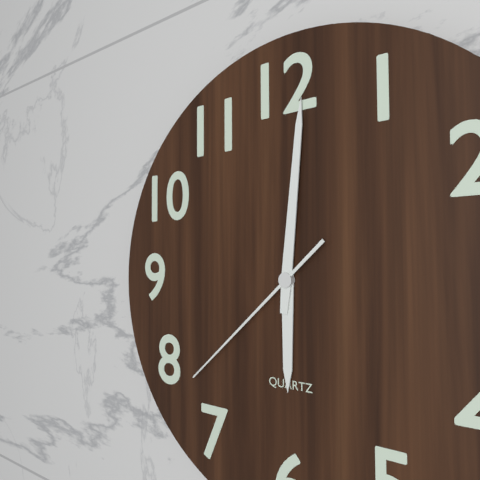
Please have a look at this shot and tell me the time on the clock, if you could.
6:01:38
